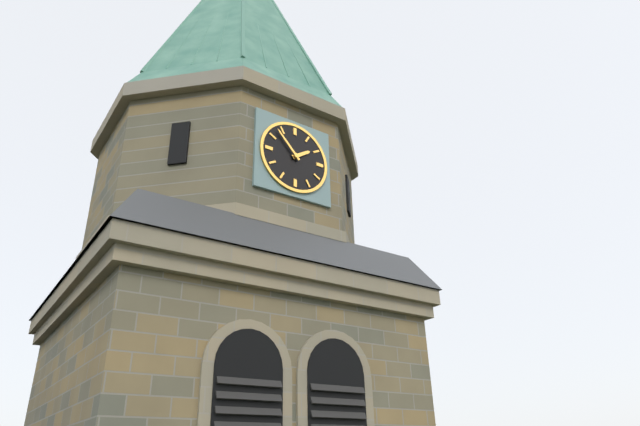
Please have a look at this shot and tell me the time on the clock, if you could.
1:53
